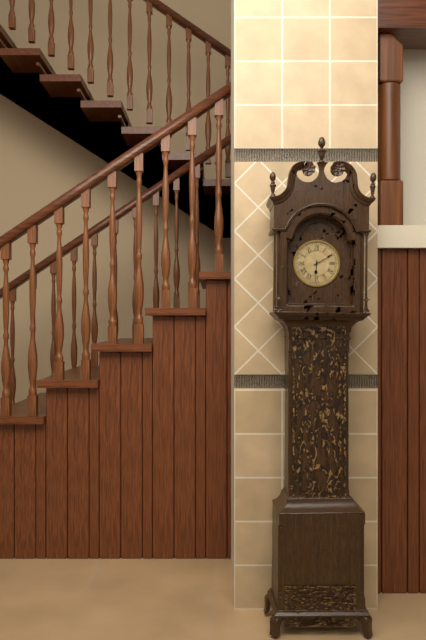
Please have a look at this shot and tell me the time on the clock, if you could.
6:10
